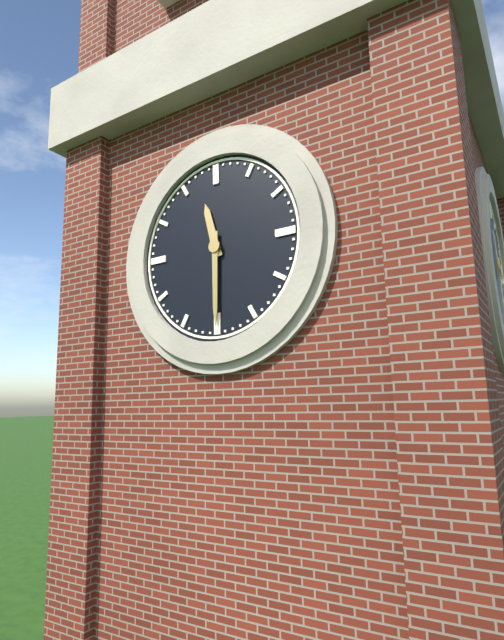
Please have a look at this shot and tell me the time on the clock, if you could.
11:30
